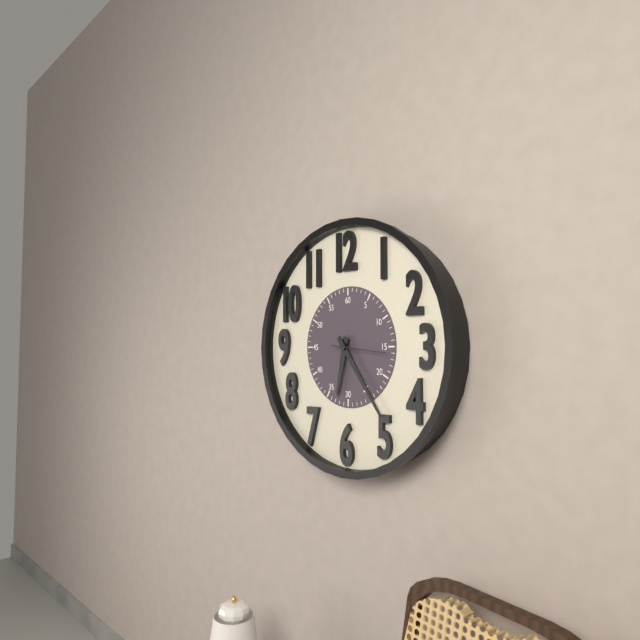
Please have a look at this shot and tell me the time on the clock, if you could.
6:24
